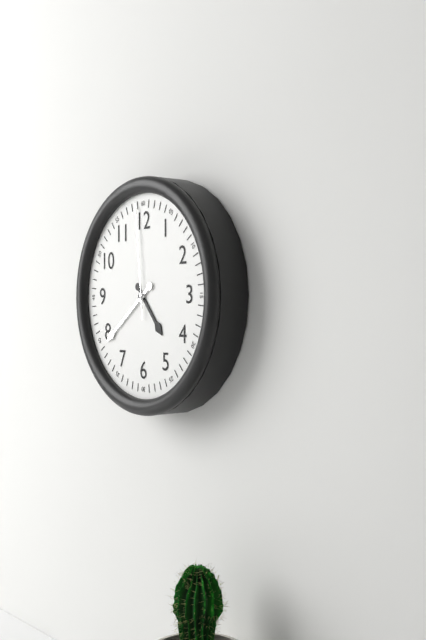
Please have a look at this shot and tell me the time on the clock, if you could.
4:39:59
